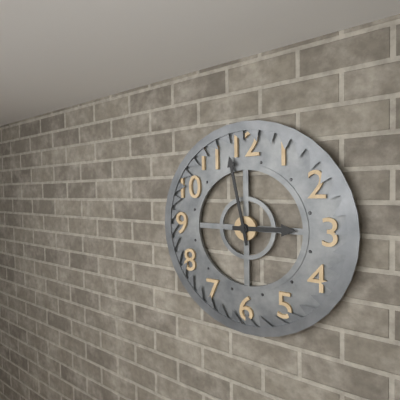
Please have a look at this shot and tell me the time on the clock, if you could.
2:58
